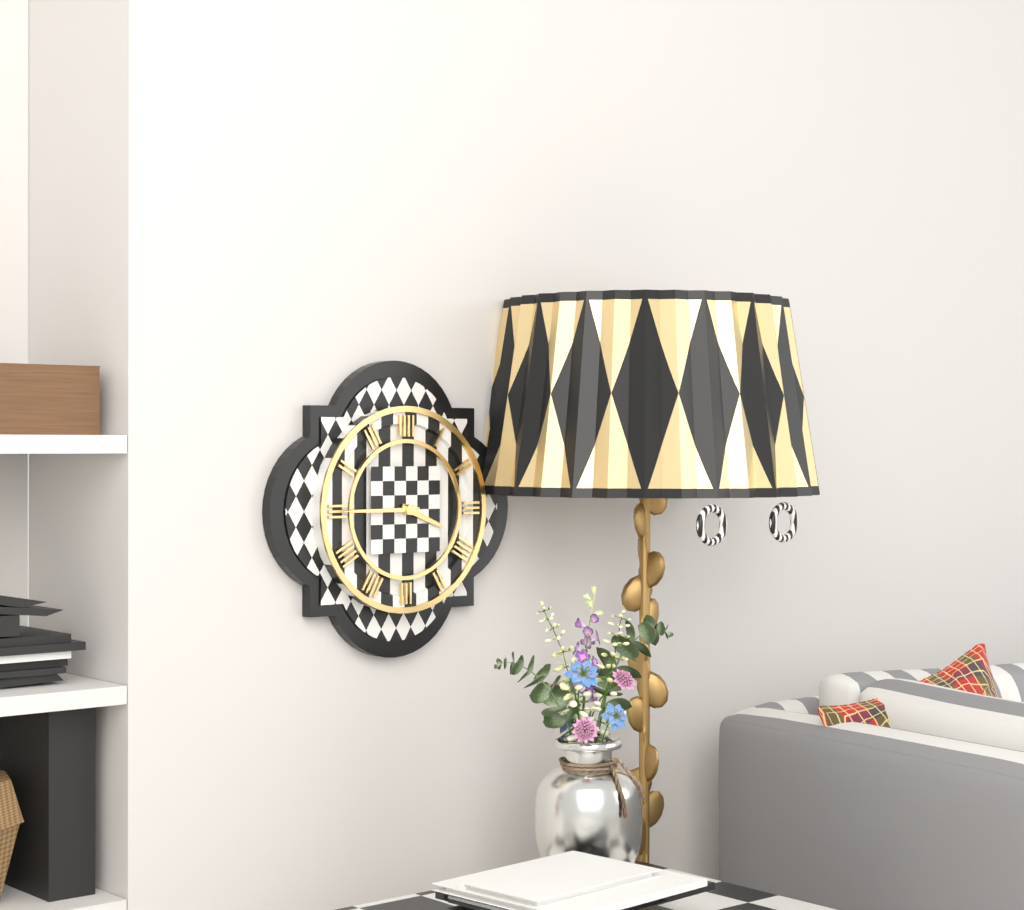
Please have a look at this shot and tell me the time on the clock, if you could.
3:45
